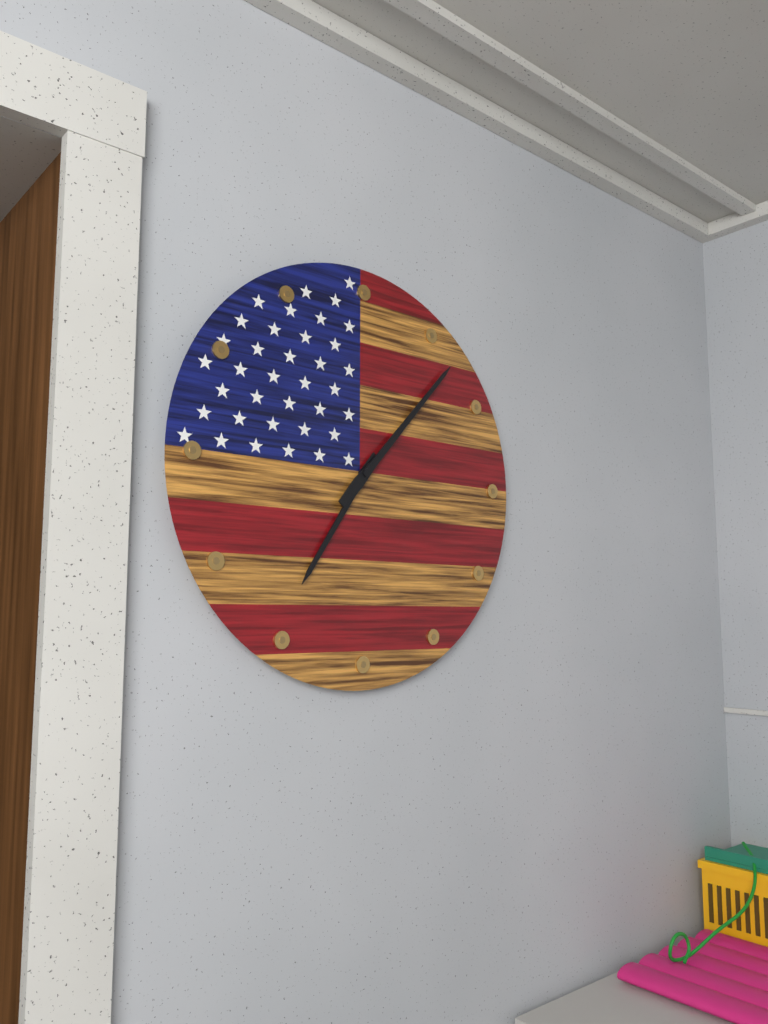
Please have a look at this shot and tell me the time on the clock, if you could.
7:07
